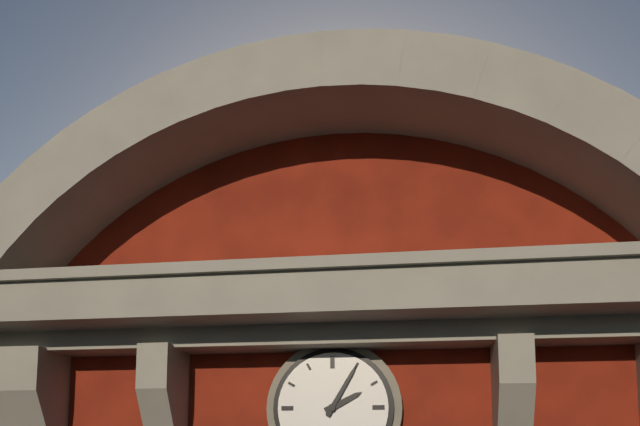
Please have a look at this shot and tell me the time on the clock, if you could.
2:05
